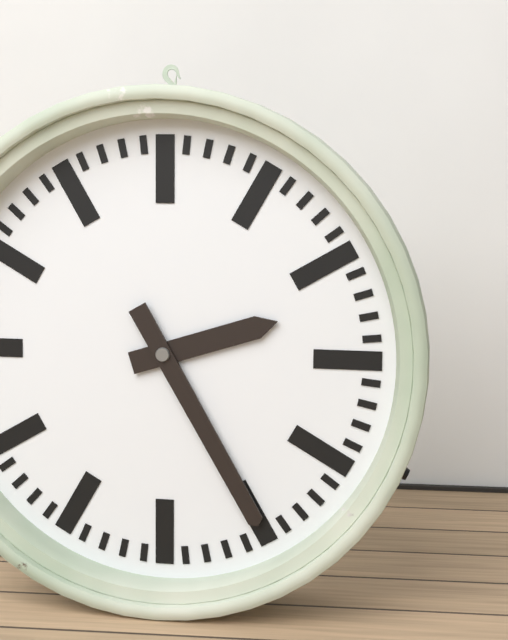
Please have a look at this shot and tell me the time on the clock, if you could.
2:25
